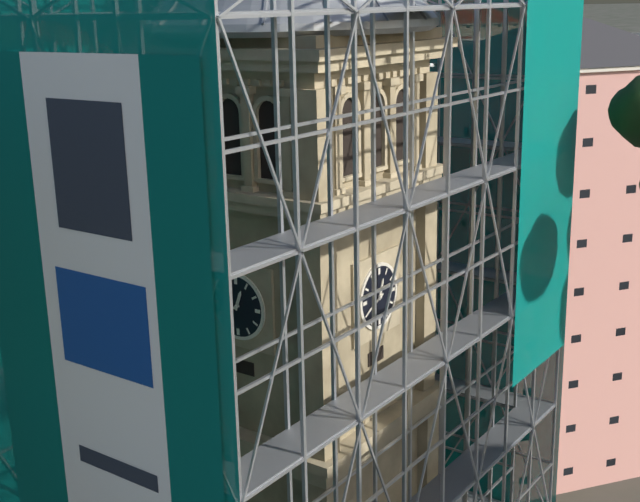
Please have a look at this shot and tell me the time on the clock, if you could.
12:41
